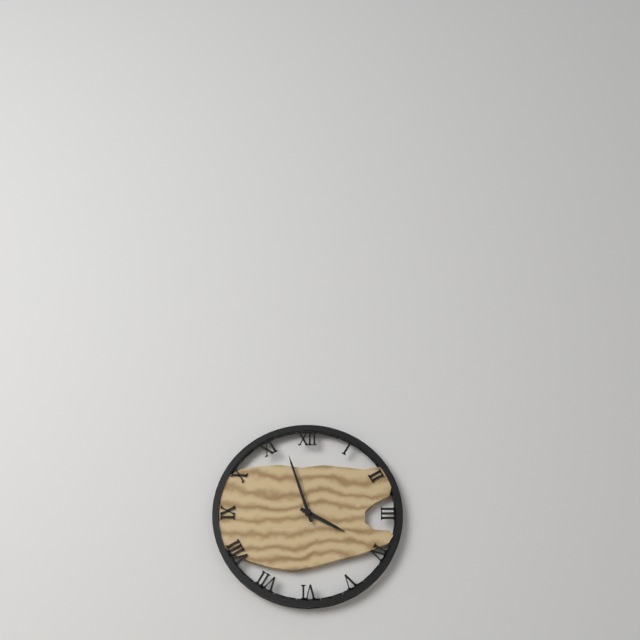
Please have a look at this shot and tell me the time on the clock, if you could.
3:57
